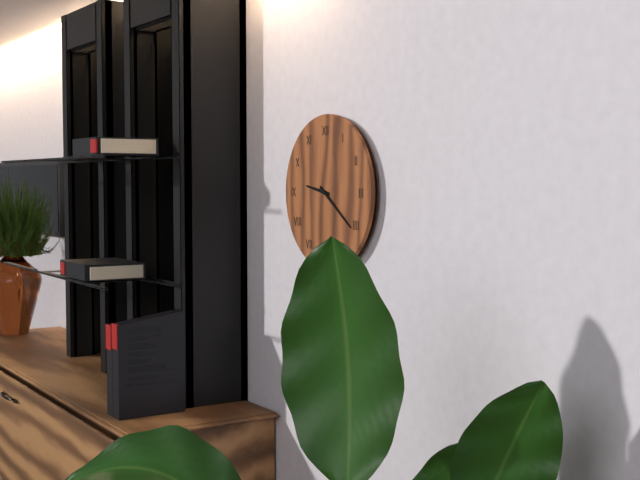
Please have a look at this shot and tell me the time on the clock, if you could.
9:21
